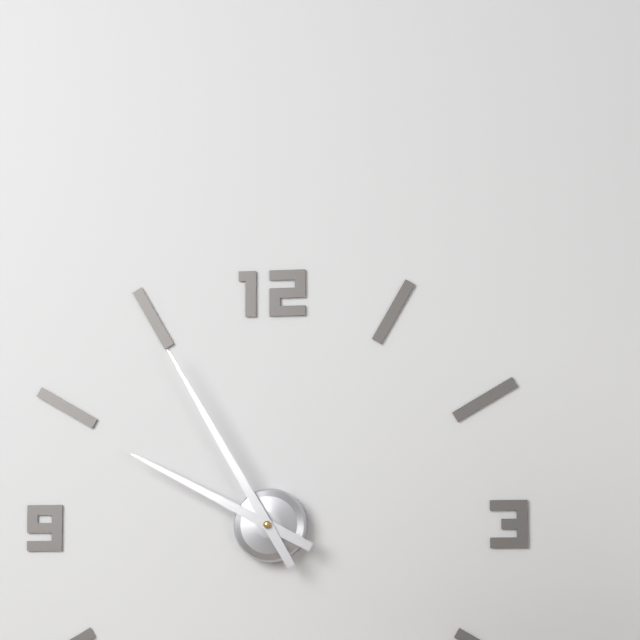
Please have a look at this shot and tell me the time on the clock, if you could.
9:55
